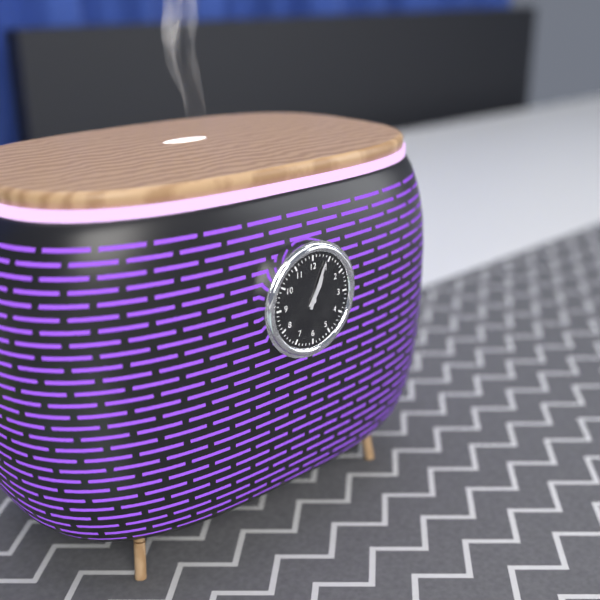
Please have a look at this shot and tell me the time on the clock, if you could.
1:04
